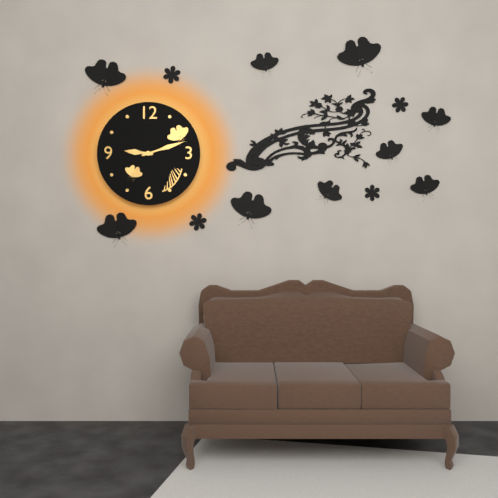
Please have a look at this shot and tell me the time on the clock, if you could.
9:12
